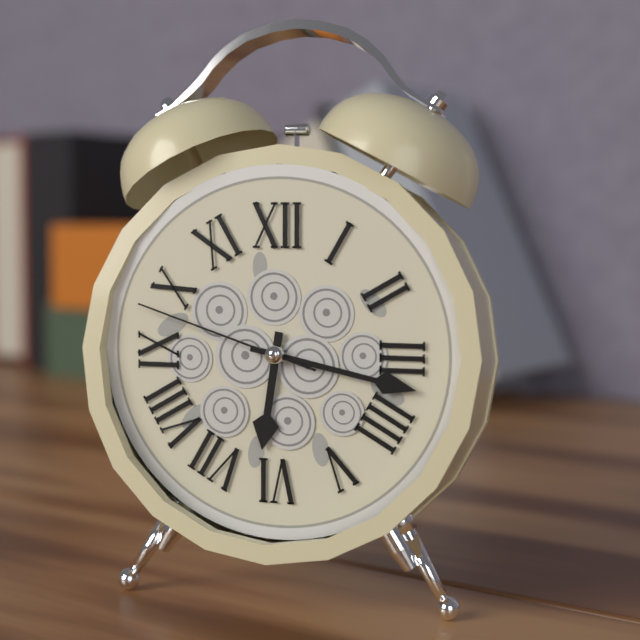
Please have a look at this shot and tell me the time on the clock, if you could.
6:17:48
